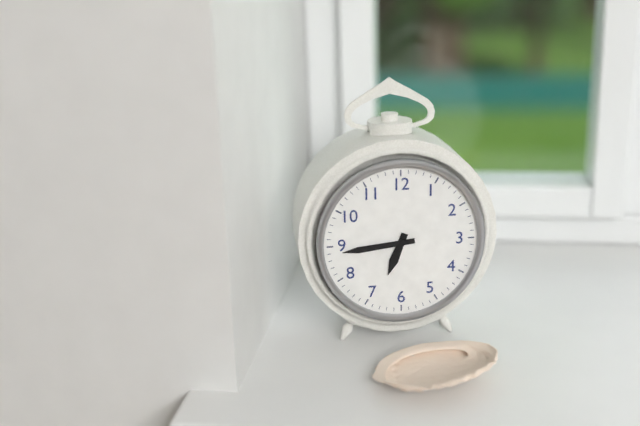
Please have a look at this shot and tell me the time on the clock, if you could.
6:44
